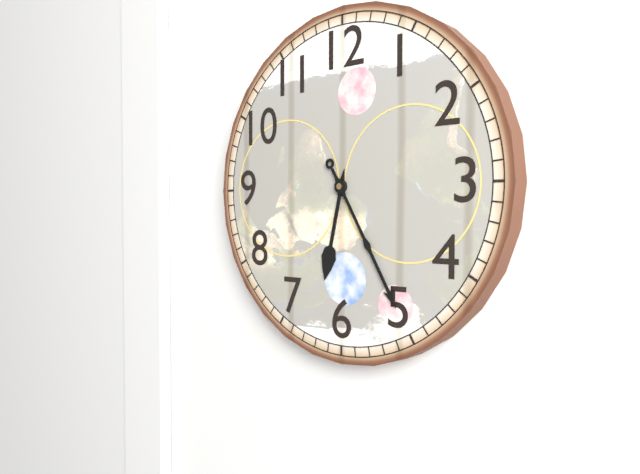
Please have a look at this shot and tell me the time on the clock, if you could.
6:25
